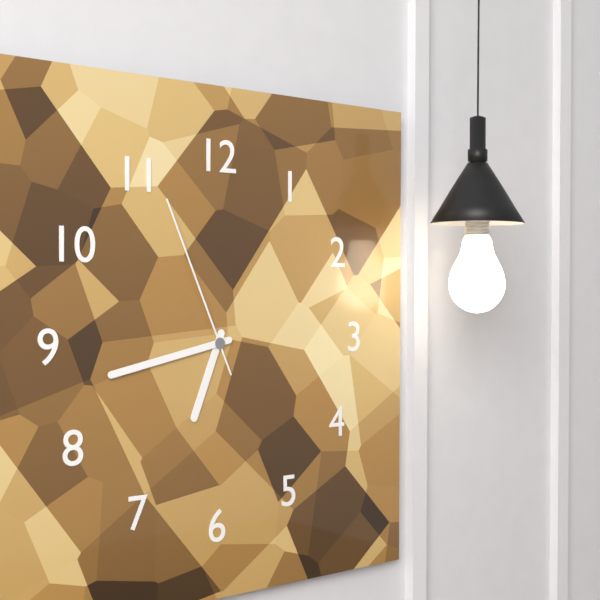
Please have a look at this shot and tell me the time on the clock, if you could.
6:43:56
